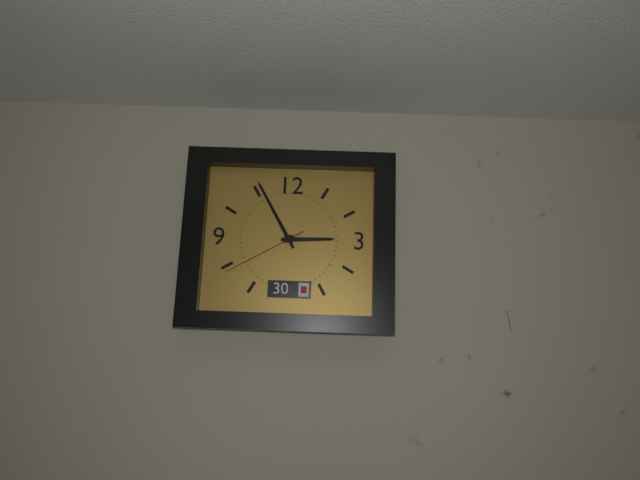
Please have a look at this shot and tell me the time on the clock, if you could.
2:55:40
